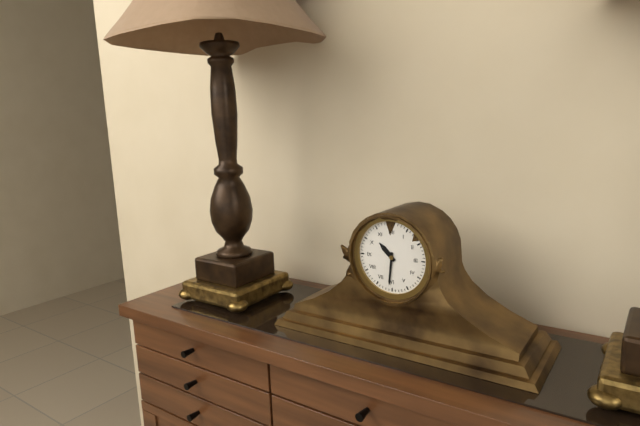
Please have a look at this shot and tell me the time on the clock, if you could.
10:31
